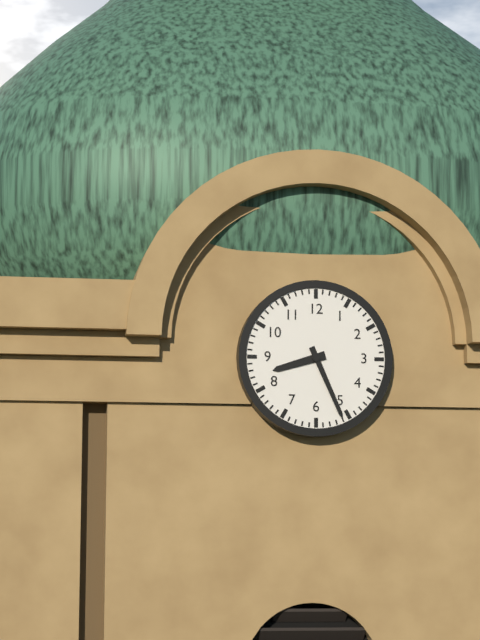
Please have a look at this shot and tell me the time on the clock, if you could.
8:26
